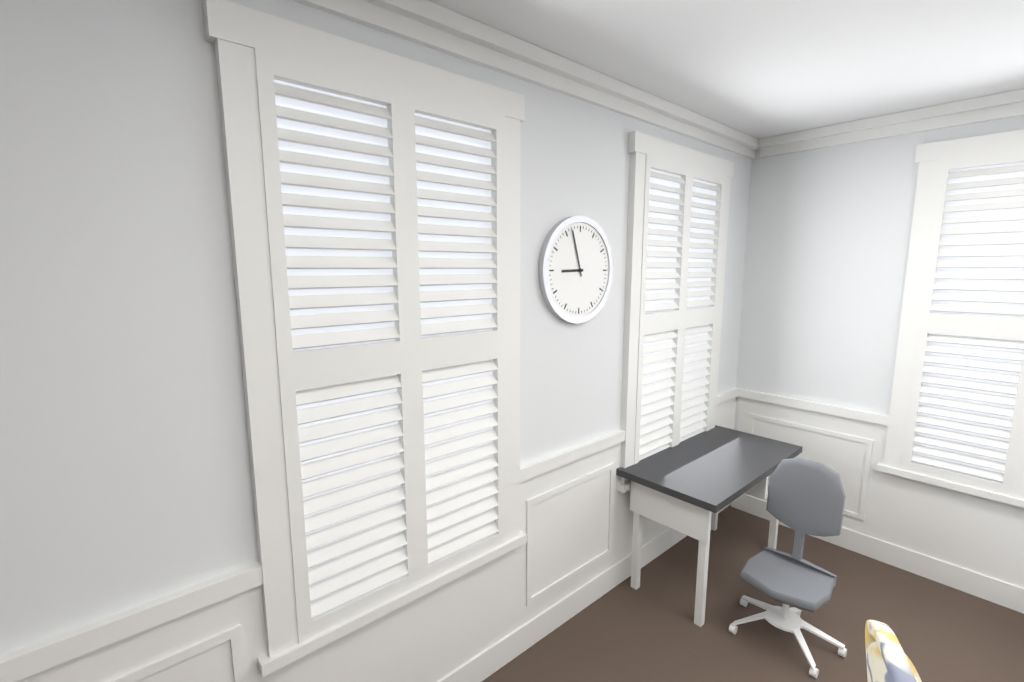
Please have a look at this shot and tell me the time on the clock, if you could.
8:57
